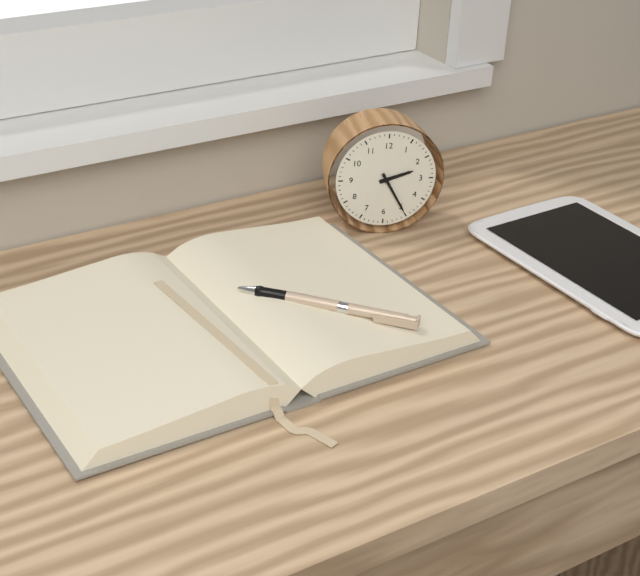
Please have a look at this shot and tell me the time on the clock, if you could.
2:25
